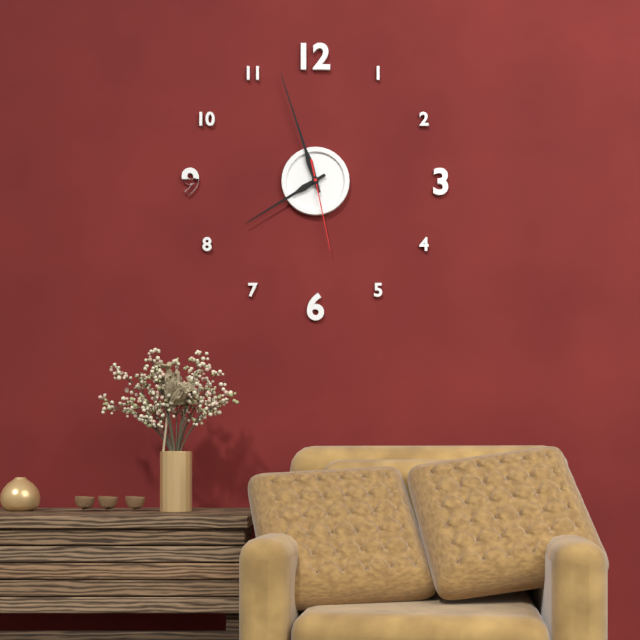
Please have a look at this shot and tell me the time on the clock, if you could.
7:57:28
